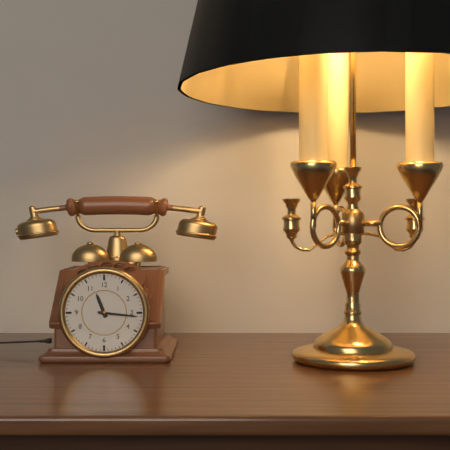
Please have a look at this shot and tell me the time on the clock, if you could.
11:16
